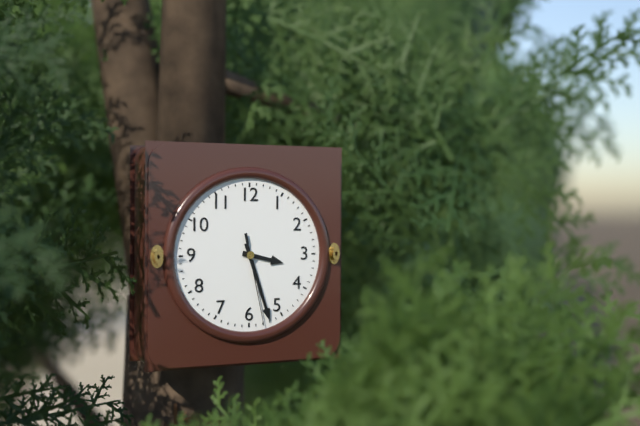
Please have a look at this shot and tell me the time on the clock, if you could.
3:27:28
